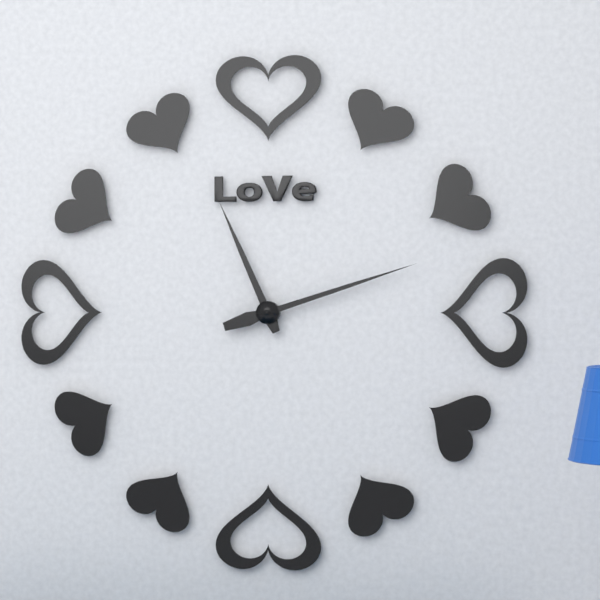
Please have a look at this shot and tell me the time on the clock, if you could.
11:12
